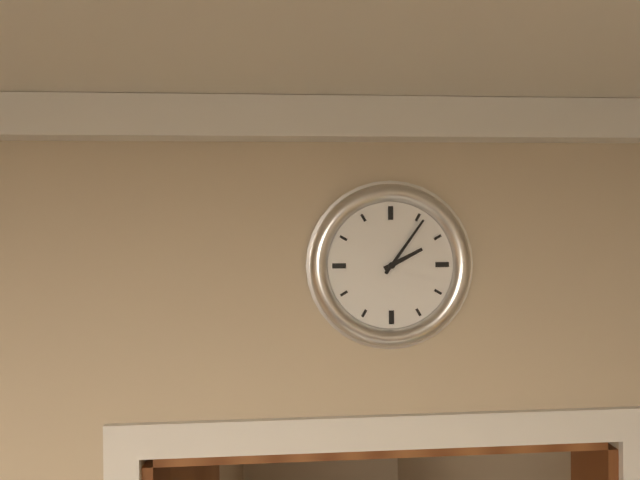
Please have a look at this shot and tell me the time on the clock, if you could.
2:06
